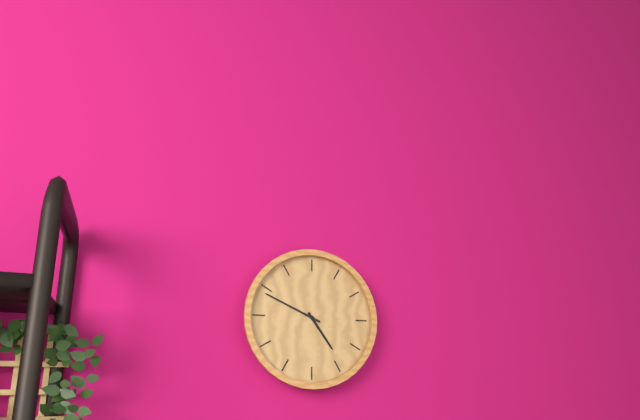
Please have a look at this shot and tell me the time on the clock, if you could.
4:49
